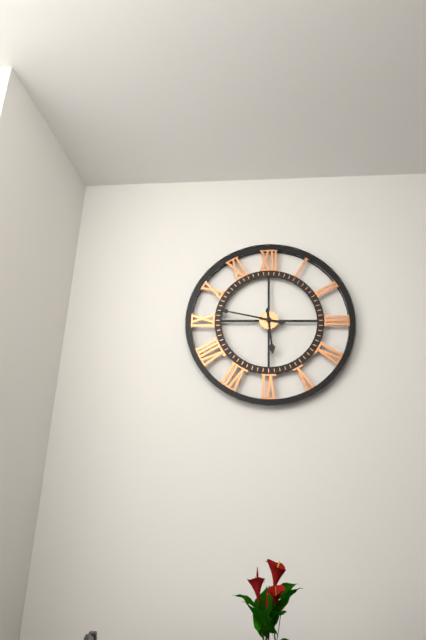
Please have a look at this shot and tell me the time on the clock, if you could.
5:47
